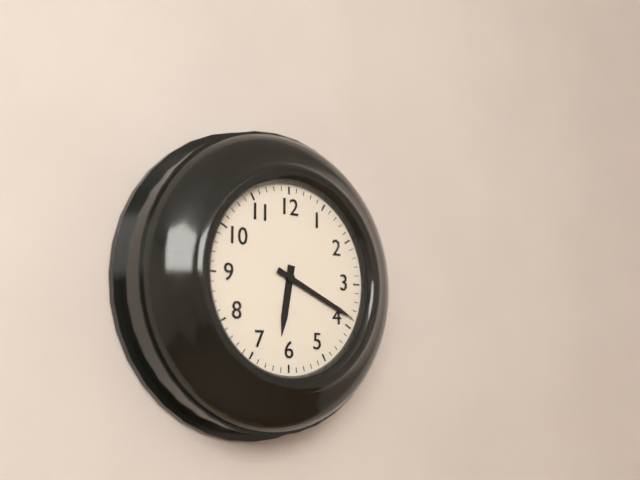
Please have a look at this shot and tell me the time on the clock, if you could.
6:19
